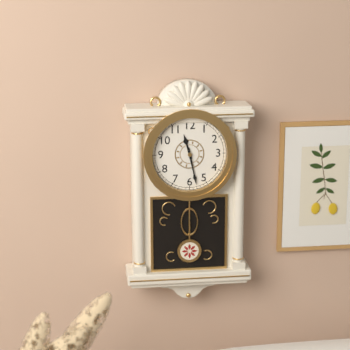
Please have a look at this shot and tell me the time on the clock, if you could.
11:28
